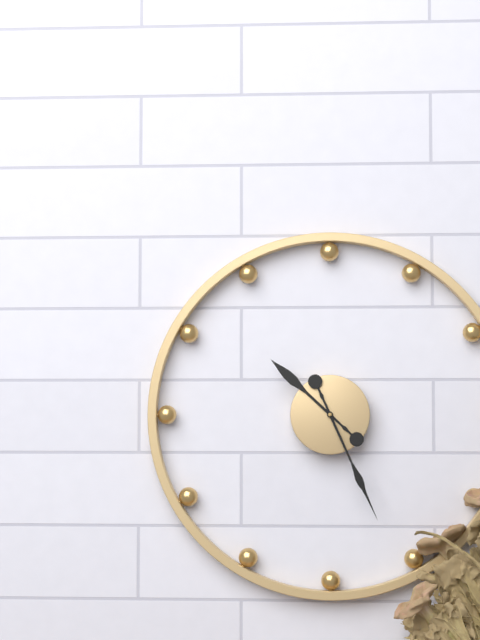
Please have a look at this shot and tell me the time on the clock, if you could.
10:26
